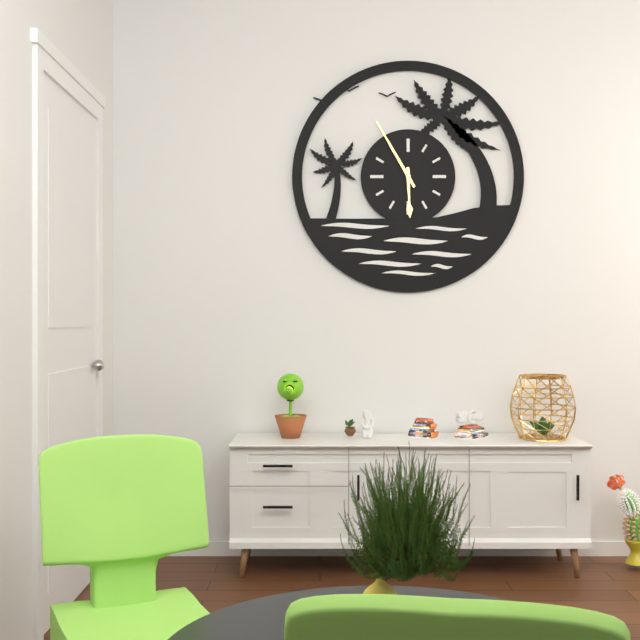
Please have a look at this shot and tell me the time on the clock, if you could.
5:55
